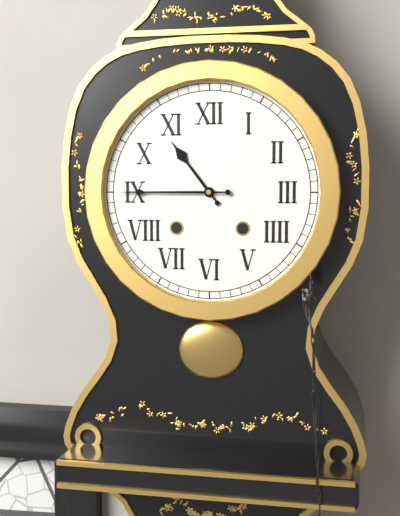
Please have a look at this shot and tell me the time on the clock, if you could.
10:45
